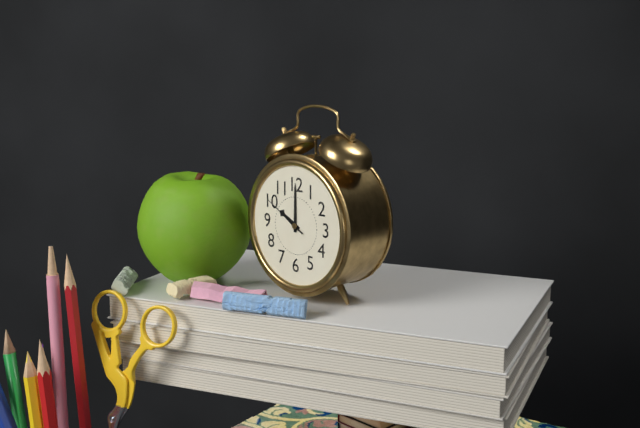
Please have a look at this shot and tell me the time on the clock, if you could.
10:00
